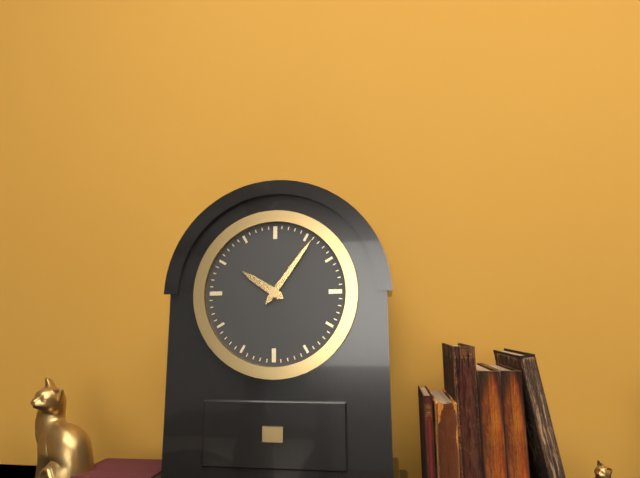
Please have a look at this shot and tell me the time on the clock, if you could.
10:06
